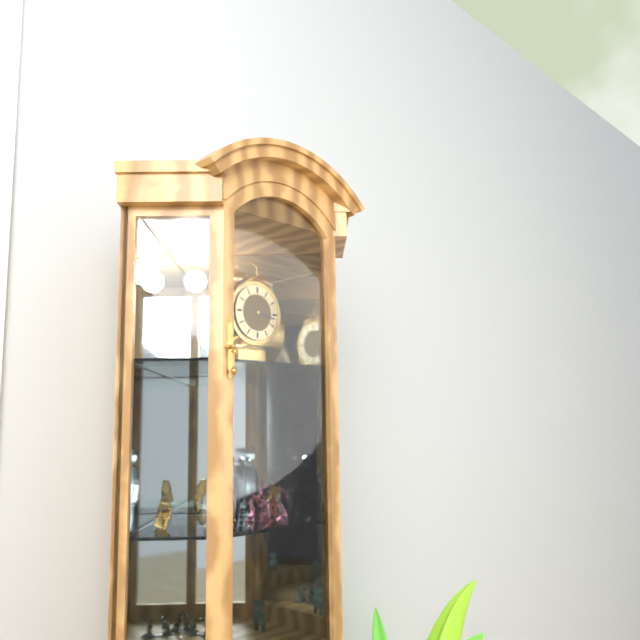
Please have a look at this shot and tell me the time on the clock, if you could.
3:17
